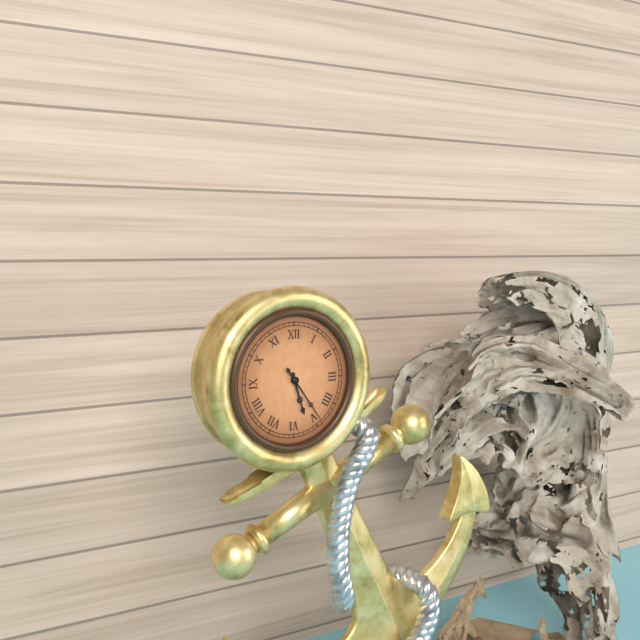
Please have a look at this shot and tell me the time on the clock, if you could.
5:24
